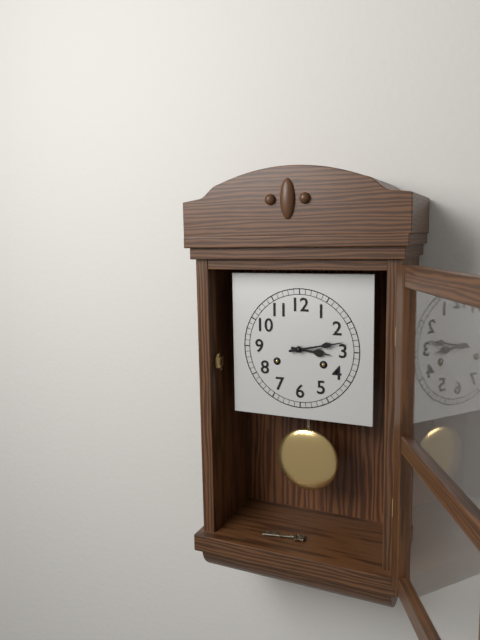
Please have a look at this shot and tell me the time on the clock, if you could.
3:13
